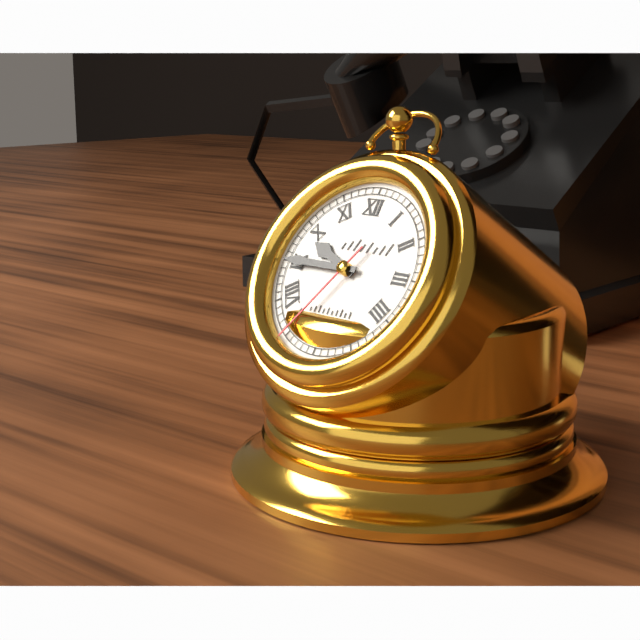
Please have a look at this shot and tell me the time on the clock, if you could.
9:45:35
